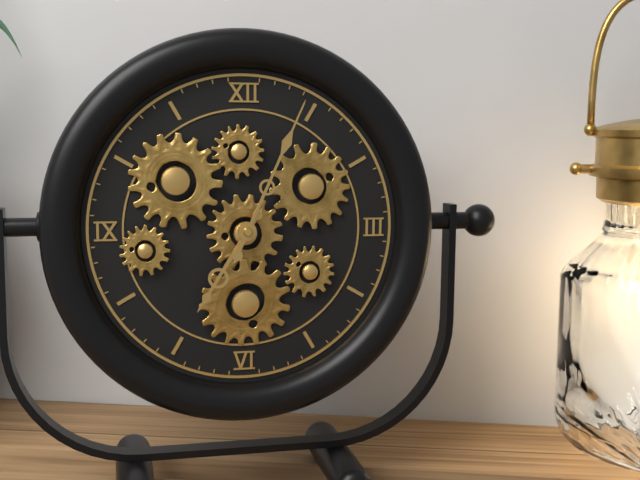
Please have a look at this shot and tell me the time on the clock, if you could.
7:04
